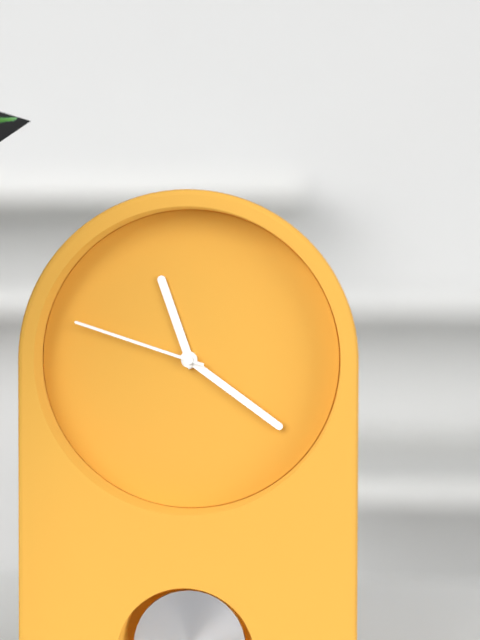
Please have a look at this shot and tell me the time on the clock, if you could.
11:21:48
